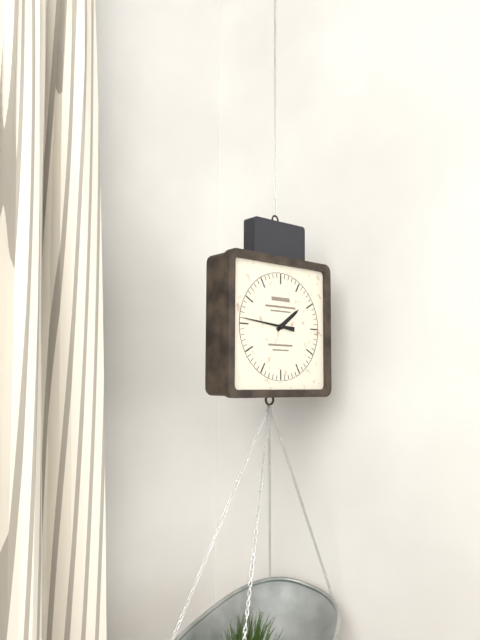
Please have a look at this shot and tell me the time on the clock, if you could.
1:46
